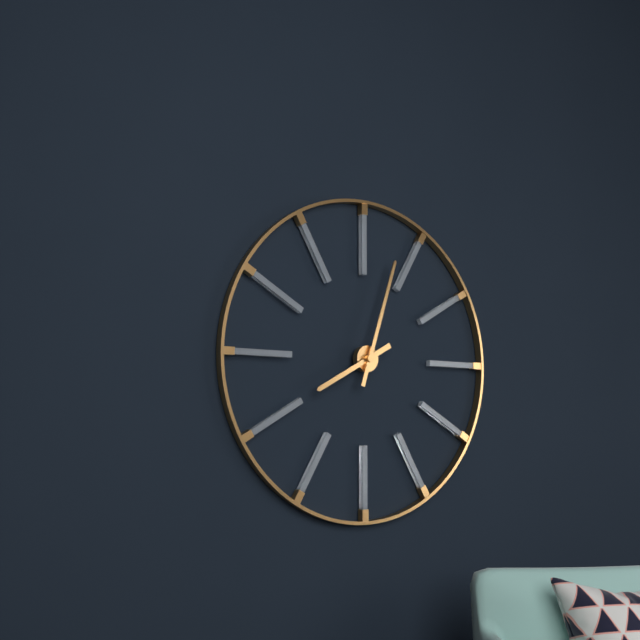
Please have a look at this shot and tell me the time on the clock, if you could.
8:03
